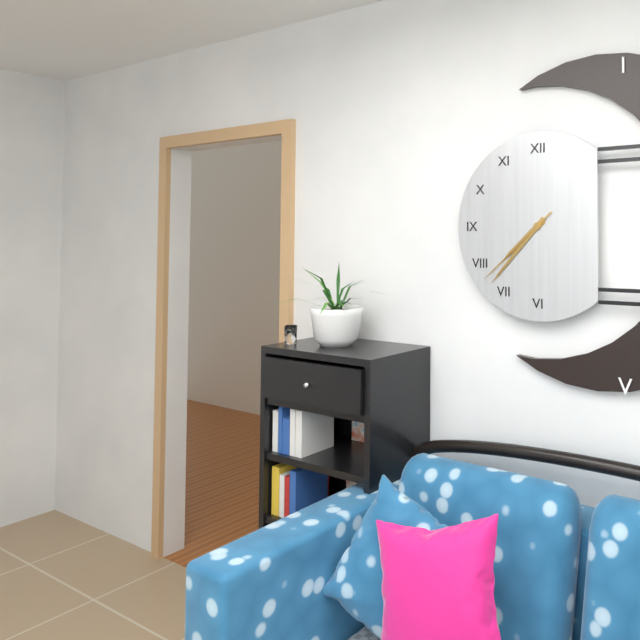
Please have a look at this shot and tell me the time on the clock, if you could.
7:37:38
